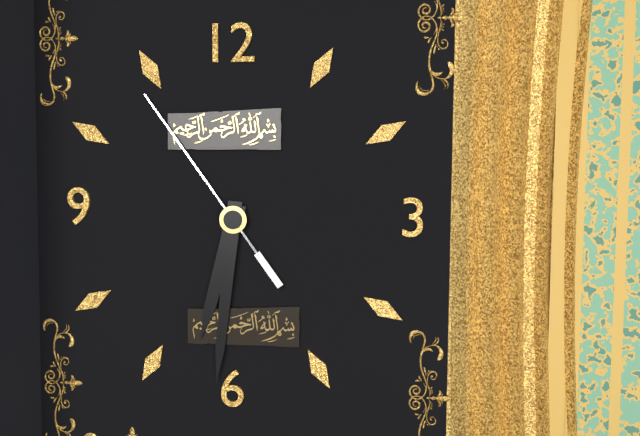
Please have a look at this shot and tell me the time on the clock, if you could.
6:31:54
